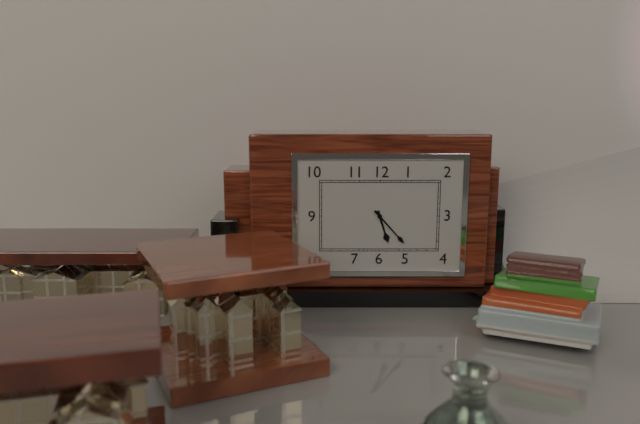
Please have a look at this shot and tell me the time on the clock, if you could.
5:23
